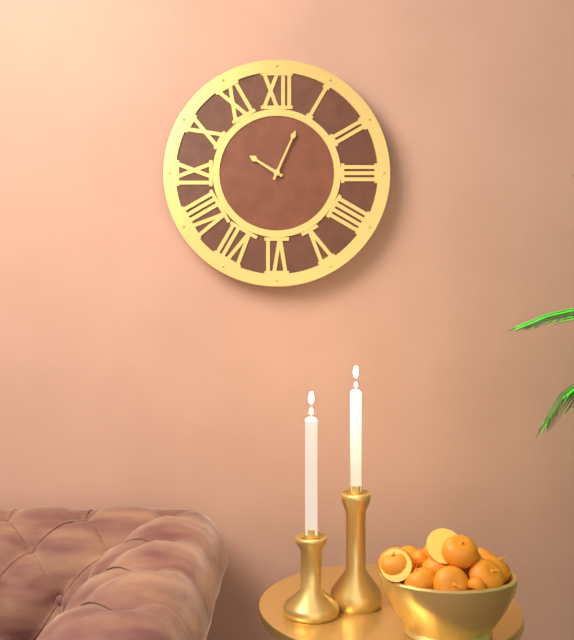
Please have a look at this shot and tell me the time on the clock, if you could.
10:04
